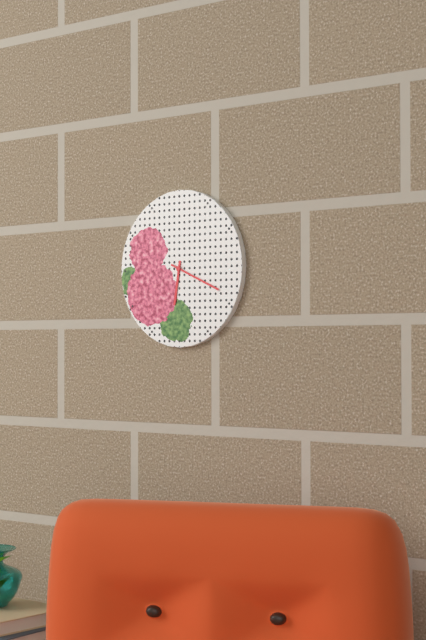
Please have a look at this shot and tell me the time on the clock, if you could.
6:19
